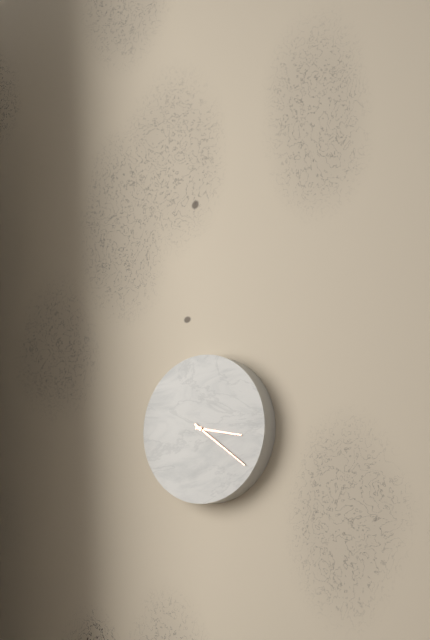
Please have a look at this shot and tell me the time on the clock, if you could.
3:21
